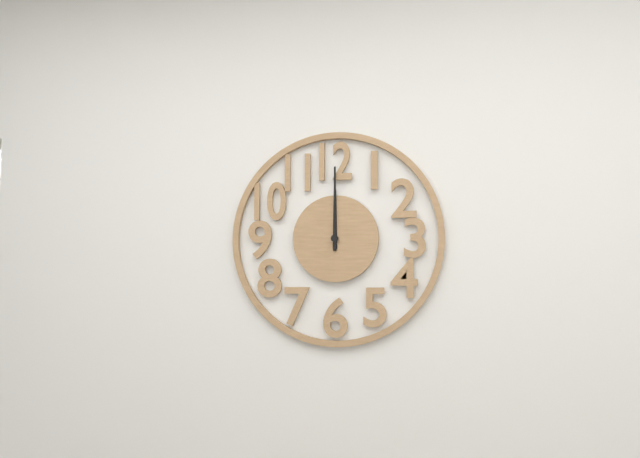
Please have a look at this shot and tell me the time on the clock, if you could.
12:00
